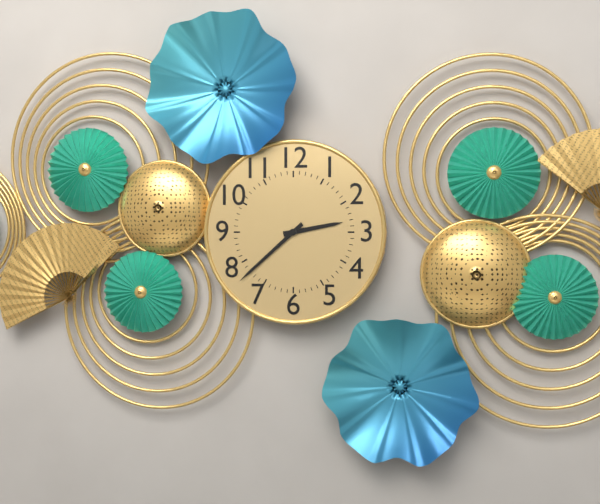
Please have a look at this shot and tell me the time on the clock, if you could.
2:38
